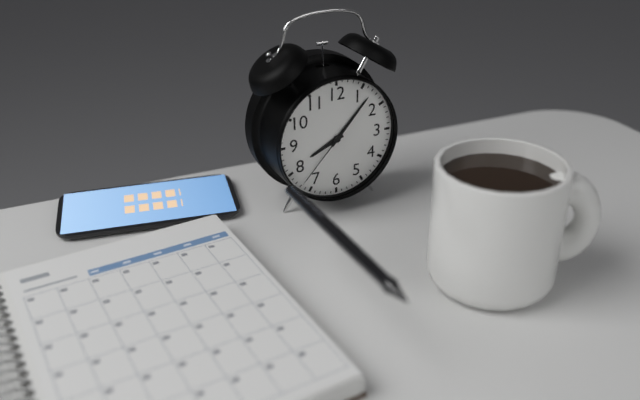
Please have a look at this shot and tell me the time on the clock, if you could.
8:07:37
